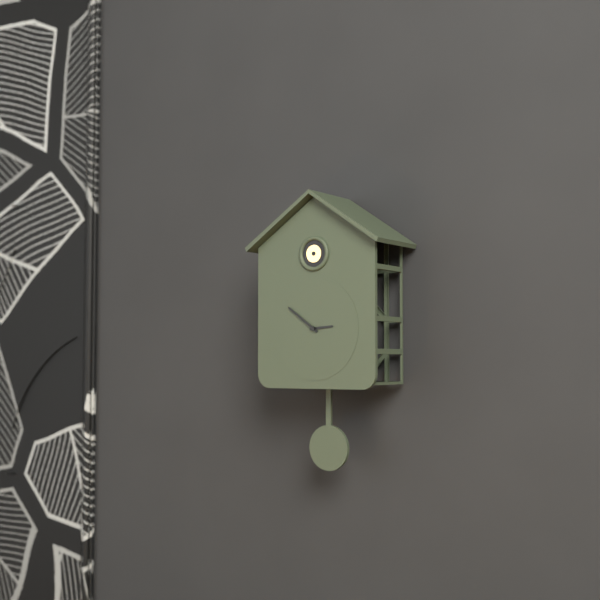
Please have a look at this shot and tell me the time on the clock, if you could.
2:51
